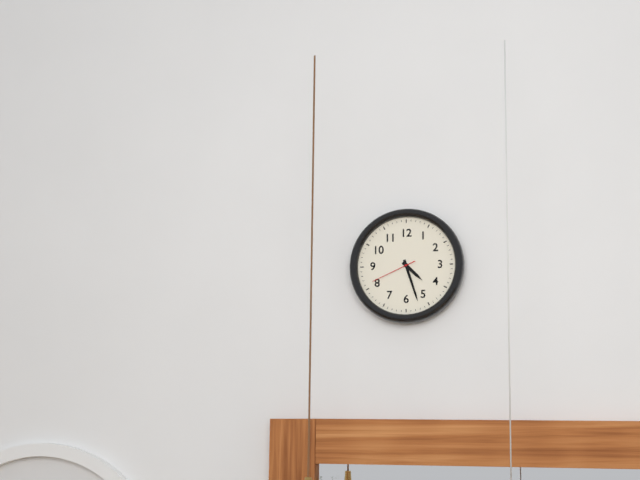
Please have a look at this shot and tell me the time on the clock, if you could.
4:27
